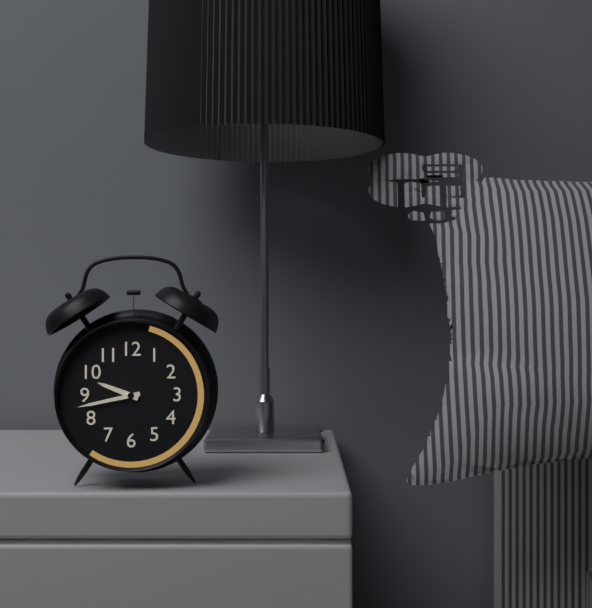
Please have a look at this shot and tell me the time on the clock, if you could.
9:43
